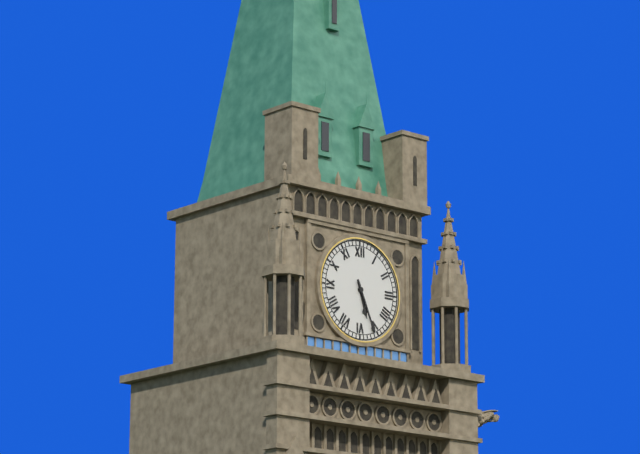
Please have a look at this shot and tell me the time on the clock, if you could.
5:26
